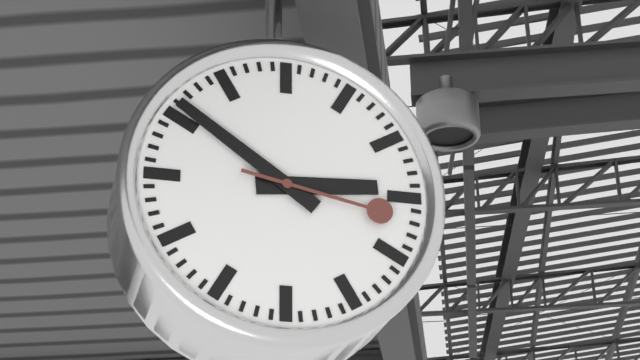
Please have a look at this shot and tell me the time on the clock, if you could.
2:51:17
